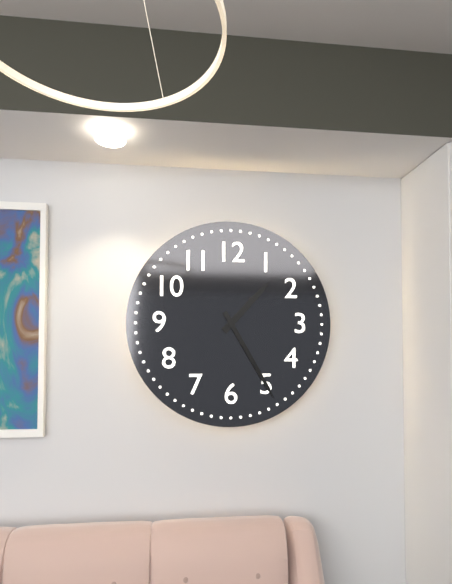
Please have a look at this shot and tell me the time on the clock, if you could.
1:25
